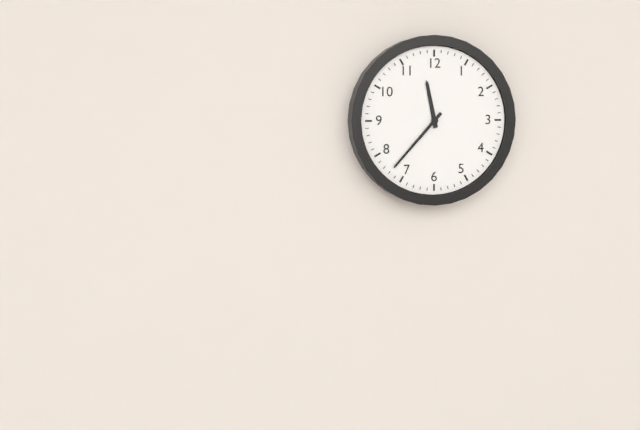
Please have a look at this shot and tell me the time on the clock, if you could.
11:37
